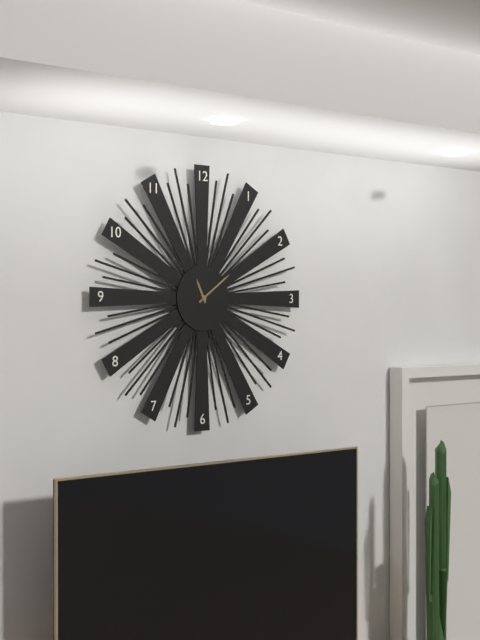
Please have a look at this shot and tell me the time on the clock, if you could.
11:09
